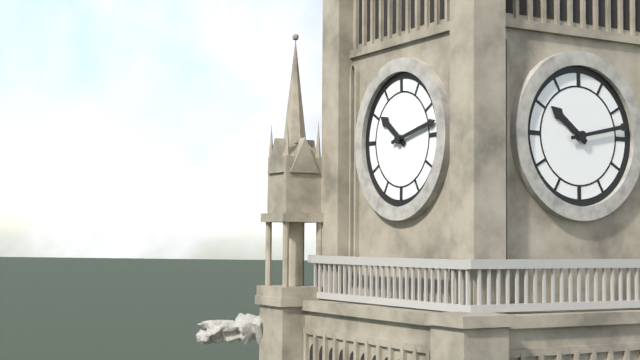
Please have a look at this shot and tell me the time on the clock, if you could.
10:13
